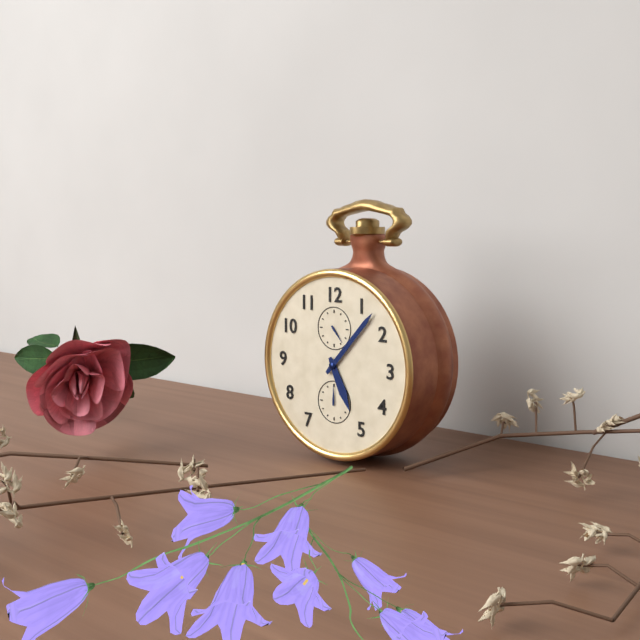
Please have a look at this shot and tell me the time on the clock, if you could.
5:07
